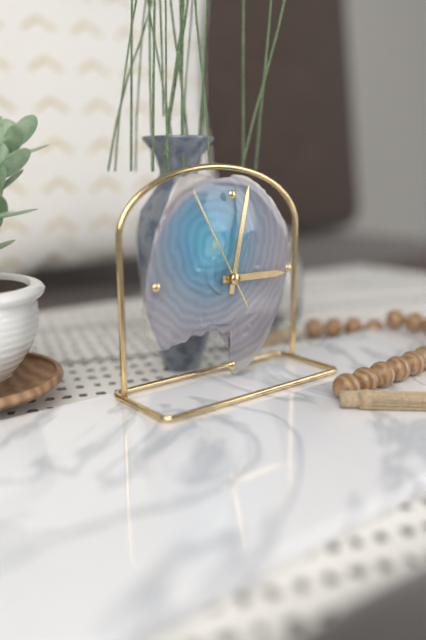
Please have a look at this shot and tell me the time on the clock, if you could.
3:02:55
